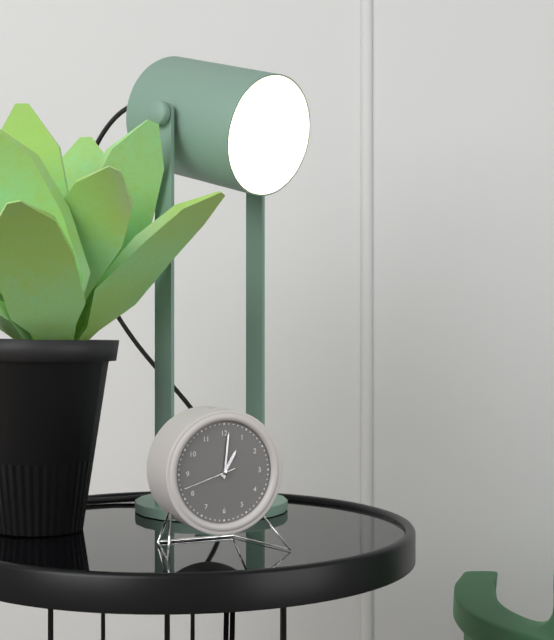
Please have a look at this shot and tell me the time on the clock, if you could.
1:01:42
